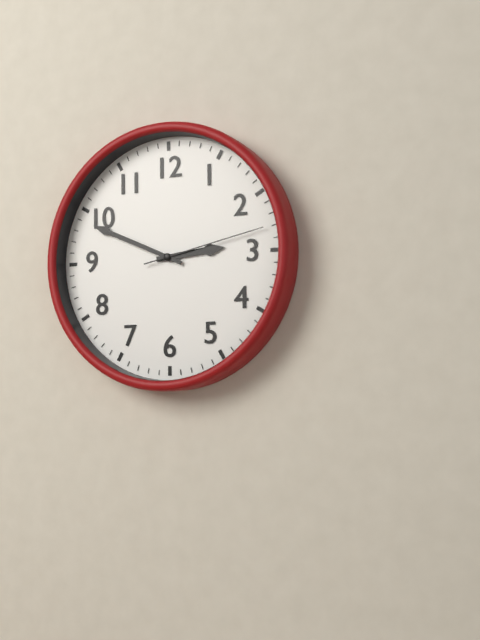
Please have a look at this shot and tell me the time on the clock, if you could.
2:49:13
